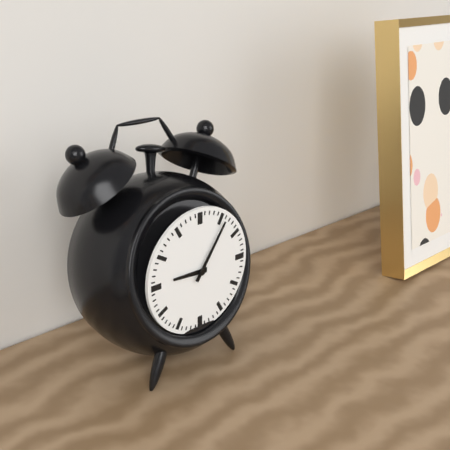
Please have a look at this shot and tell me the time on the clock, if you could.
9:06
